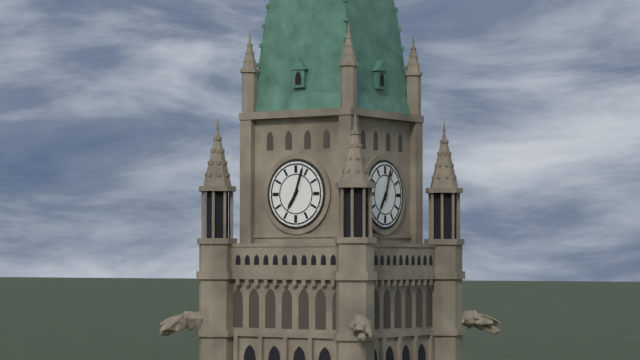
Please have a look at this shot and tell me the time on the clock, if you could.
7:03
